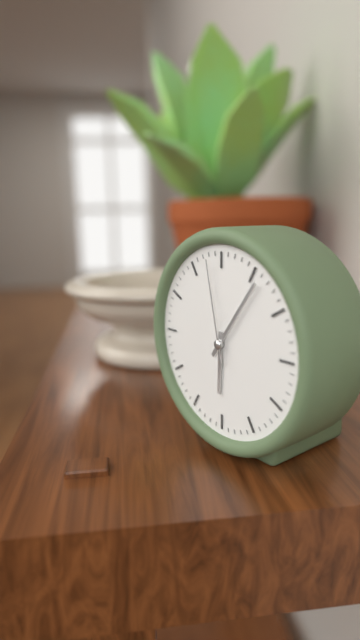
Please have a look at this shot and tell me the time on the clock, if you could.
6:06:58
